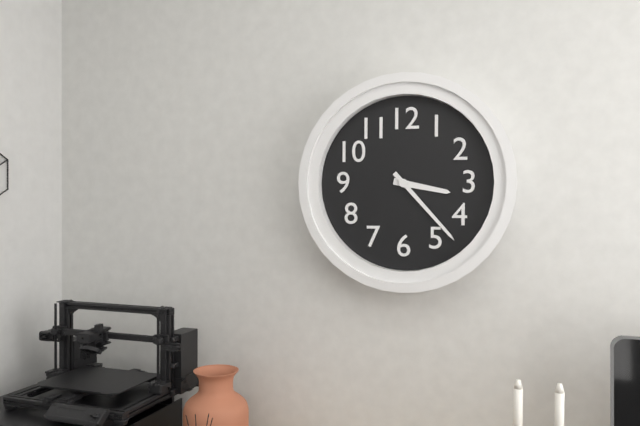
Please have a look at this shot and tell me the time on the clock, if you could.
3:23
